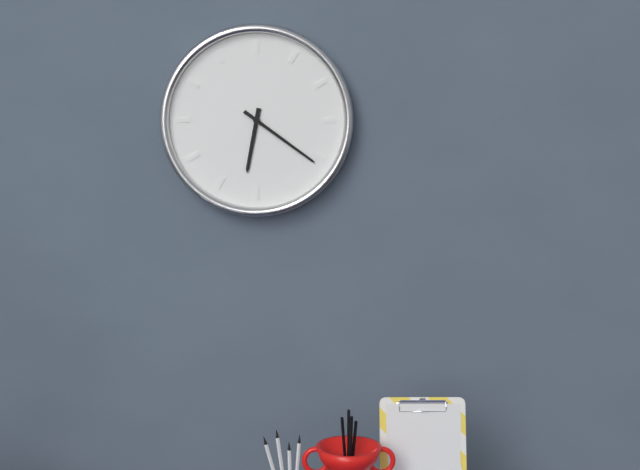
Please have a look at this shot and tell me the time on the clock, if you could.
6:21
